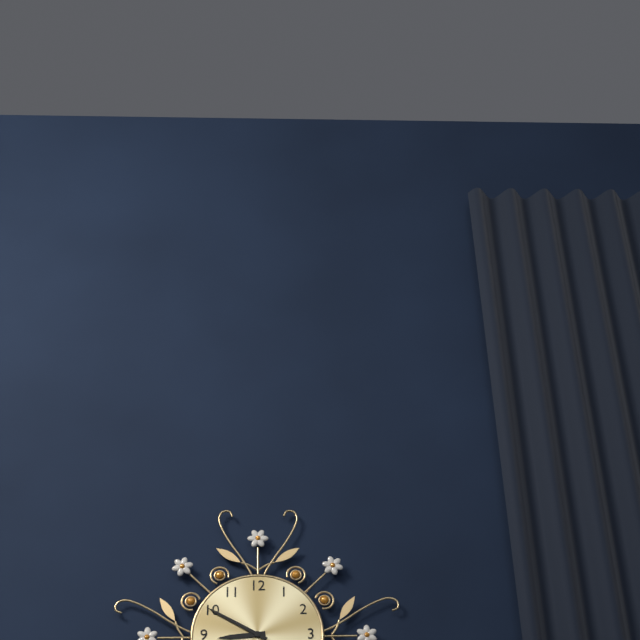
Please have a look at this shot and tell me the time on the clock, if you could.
8:50
